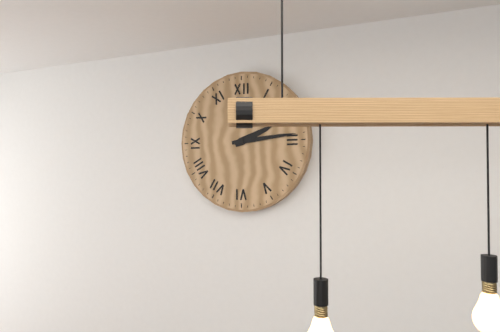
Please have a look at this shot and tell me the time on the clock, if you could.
2:14
